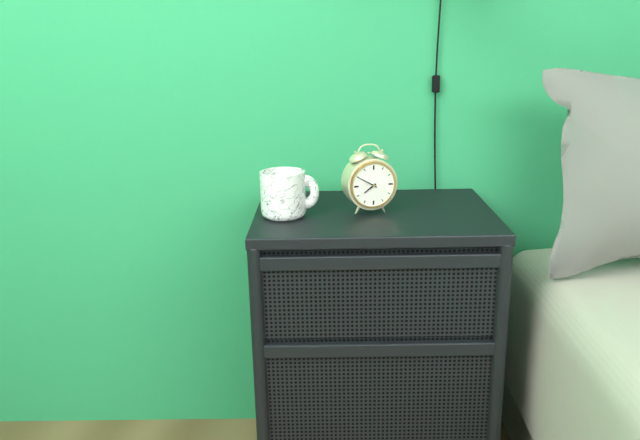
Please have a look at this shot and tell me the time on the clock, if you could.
7:50
